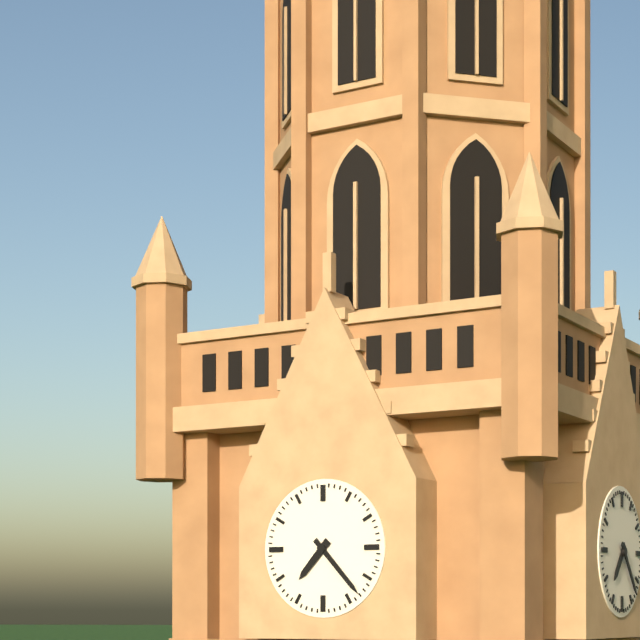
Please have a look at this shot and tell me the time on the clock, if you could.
7:23
